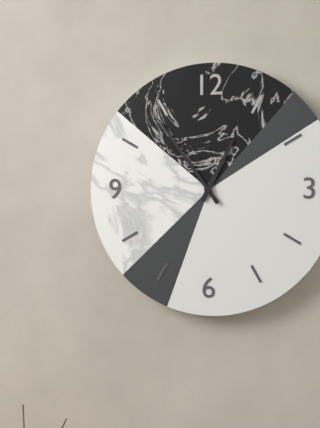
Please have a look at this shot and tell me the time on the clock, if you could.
12:54
